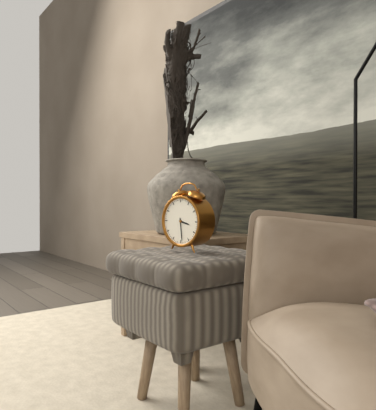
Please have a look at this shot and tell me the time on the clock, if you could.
3:29
